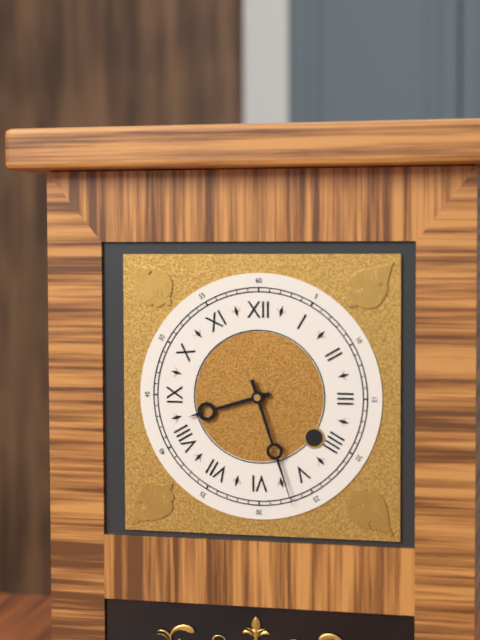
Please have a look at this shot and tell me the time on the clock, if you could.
8:27
